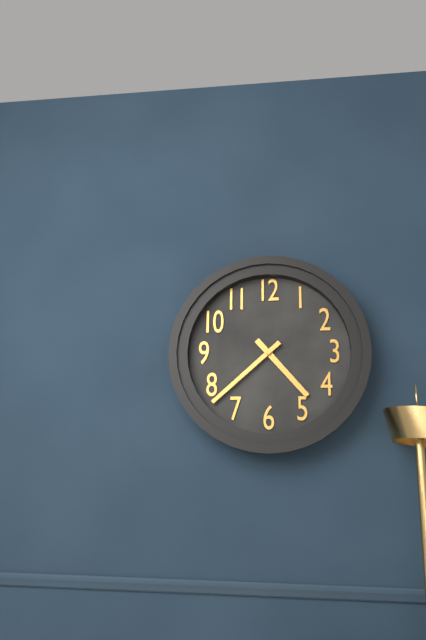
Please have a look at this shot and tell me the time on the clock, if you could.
4:38
